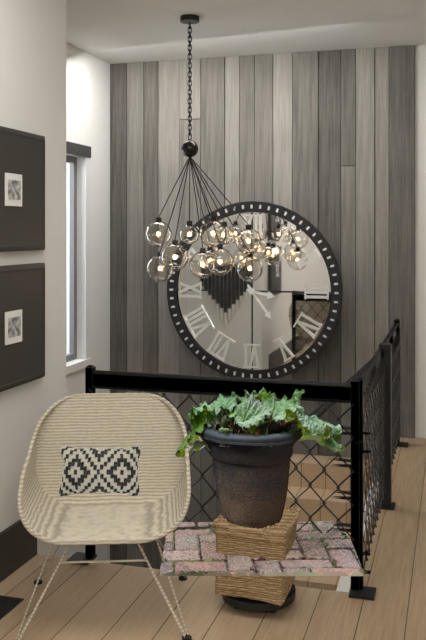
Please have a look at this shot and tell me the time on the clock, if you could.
3:24
